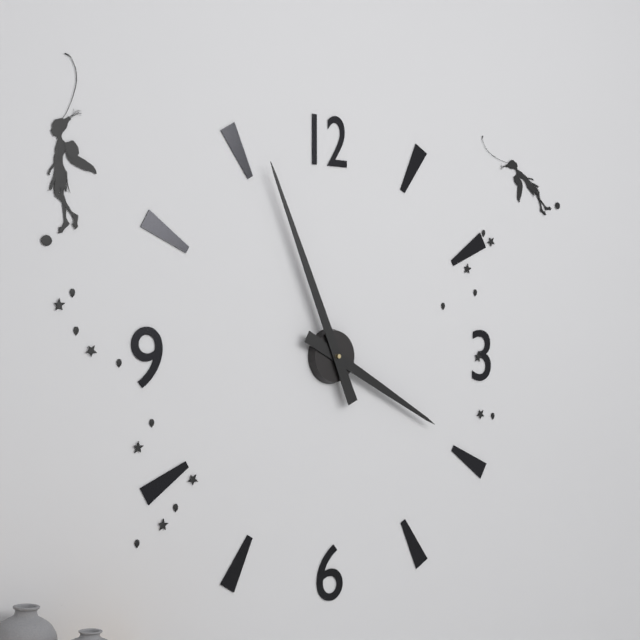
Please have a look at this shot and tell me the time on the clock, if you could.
3:56
